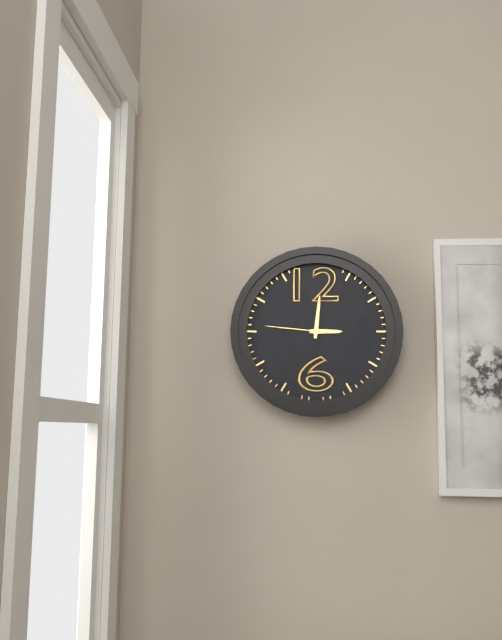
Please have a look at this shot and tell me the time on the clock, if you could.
3:01:46
